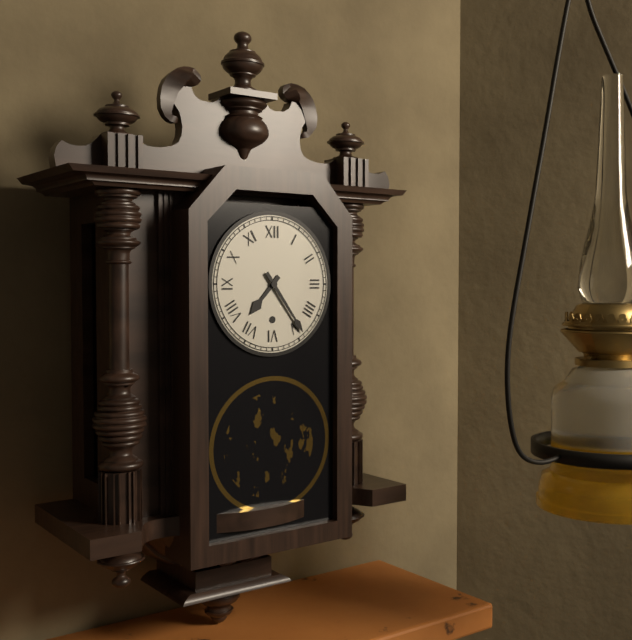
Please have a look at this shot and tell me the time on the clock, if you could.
7:24
